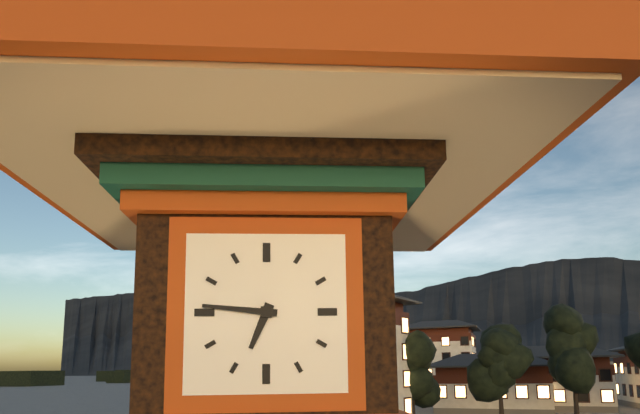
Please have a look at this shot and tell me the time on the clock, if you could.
6:46
